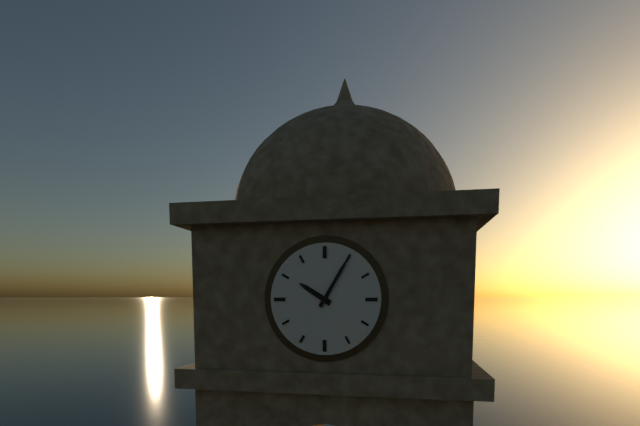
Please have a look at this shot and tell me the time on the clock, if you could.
10:05
